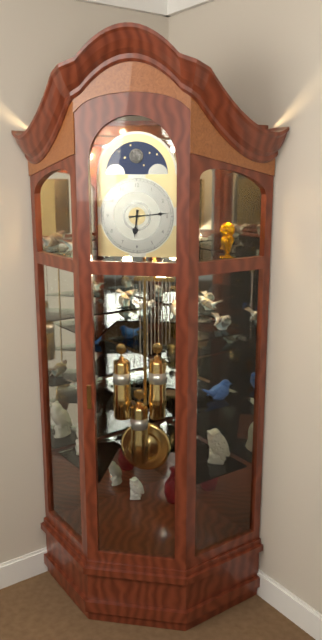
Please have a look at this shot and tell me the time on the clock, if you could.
6:14
